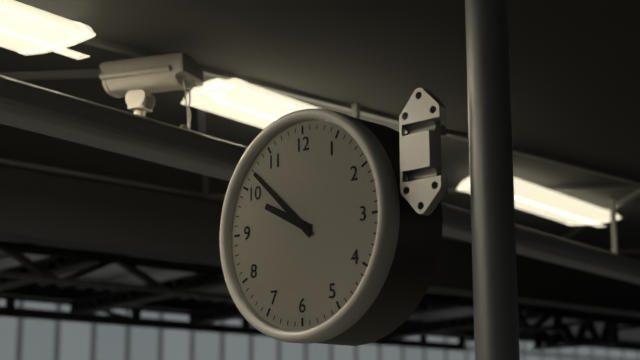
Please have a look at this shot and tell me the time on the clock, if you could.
9:52
